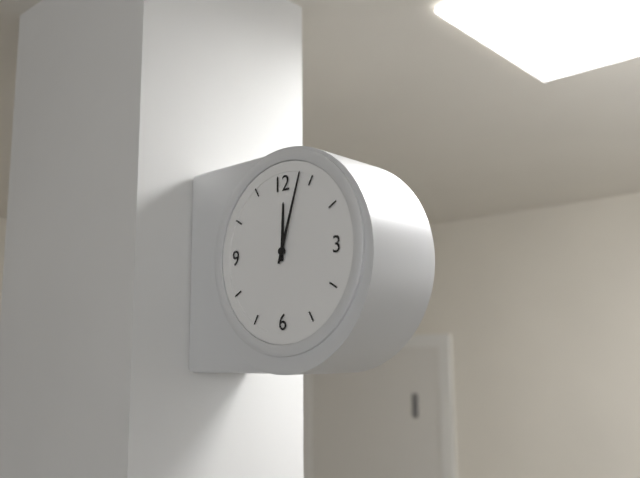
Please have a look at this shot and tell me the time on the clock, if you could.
12:03
